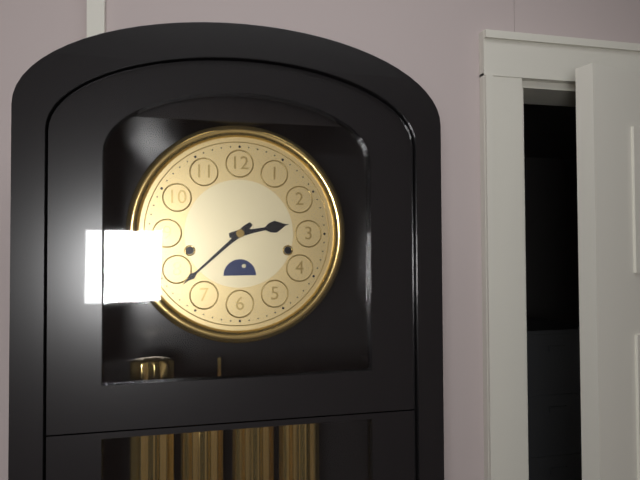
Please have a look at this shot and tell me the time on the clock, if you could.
2:38
